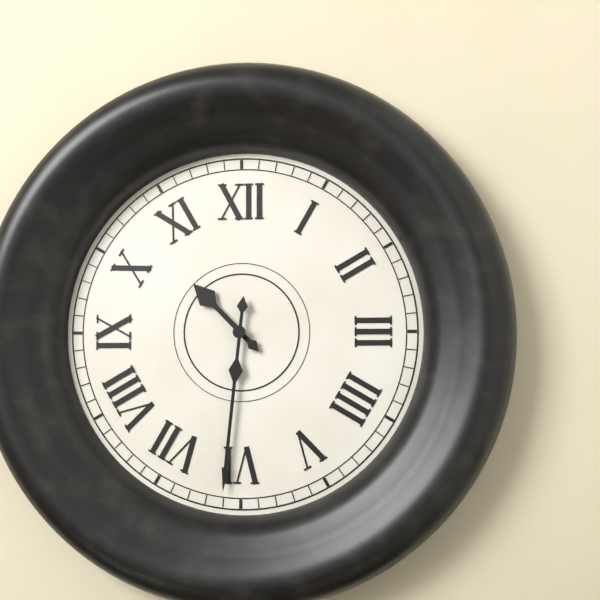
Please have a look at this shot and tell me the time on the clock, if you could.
10:31
